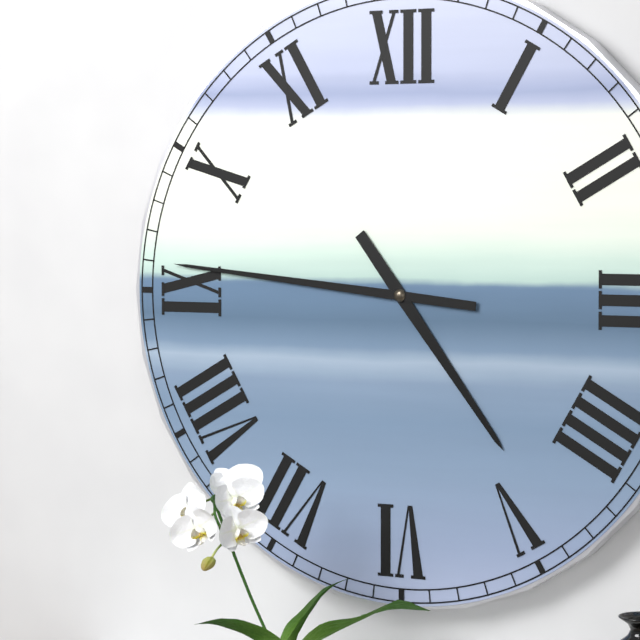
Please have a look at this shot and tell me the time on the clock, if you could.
4:46
